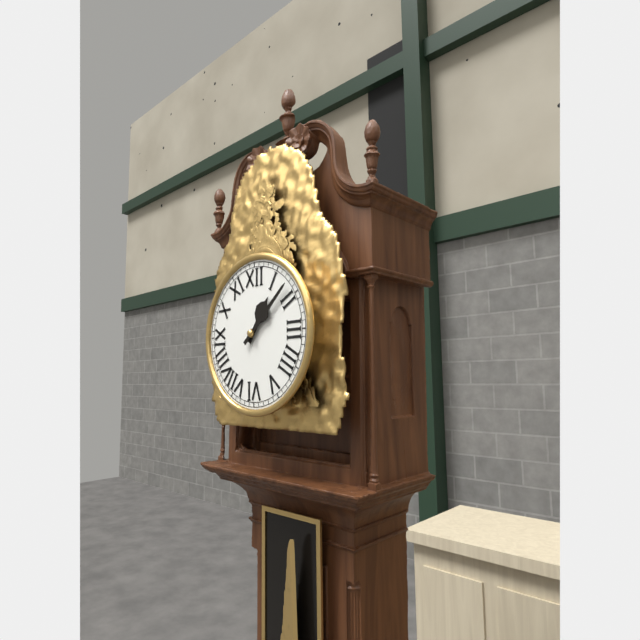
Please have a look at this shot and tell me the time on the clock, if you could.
1:08
